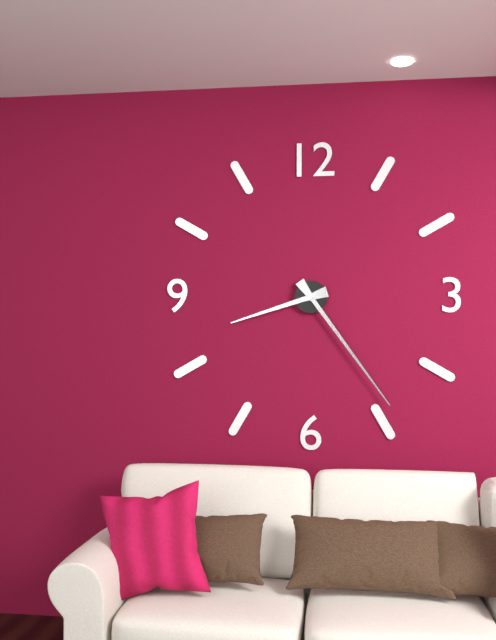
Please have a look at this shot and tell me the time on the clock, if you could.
8:24
